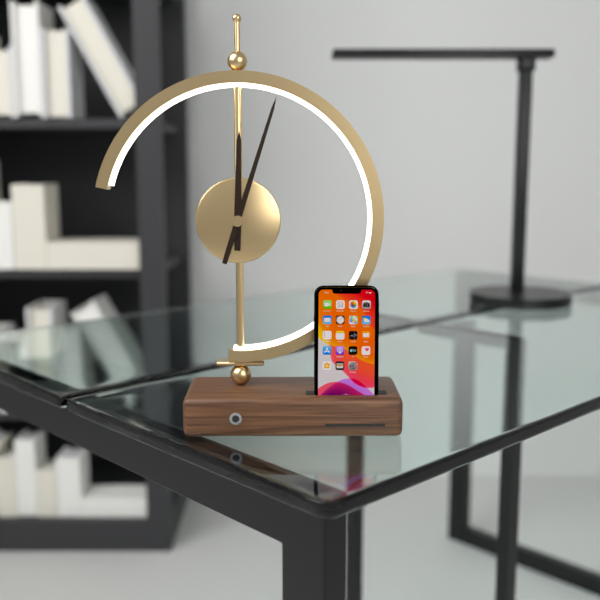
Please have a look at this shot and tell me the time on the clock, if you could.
12:03
